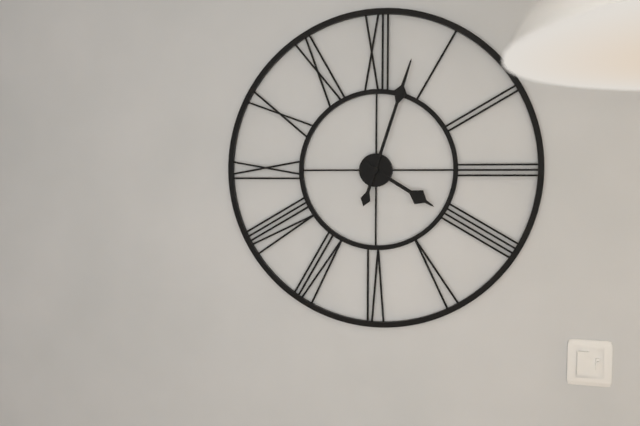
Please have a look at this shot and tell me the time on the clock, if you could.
4:03
